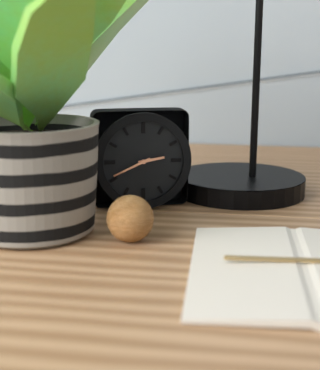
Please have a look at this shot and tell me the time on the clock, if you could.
2:41
